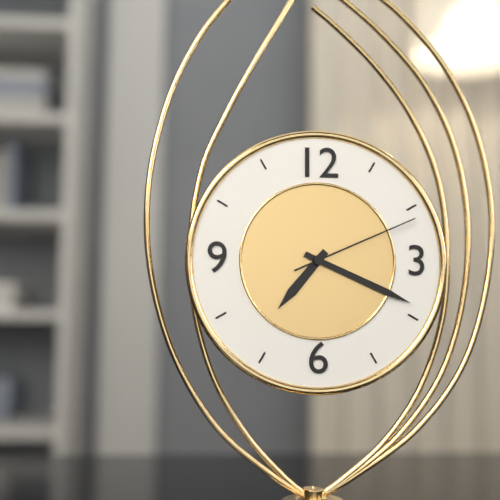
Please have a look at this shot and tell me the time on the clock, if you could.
7:19:11
